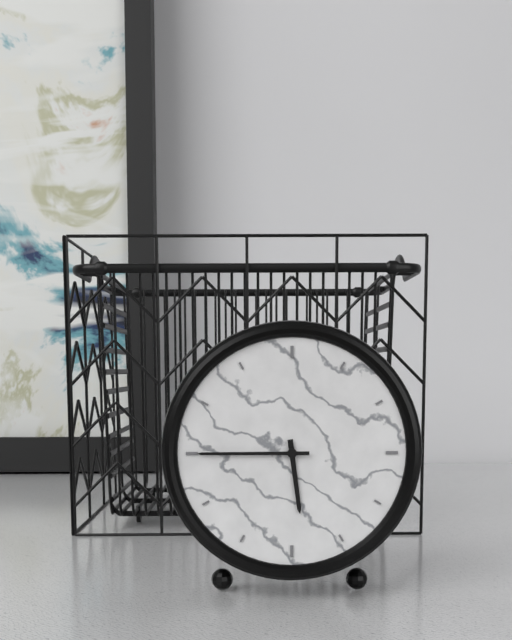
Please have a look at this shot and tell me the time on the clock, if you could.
5:45
